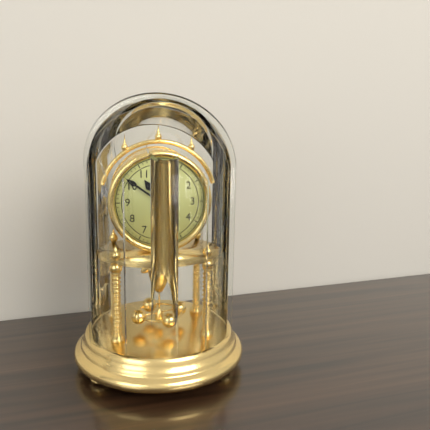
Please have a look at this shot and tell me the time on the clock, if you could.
10:51
